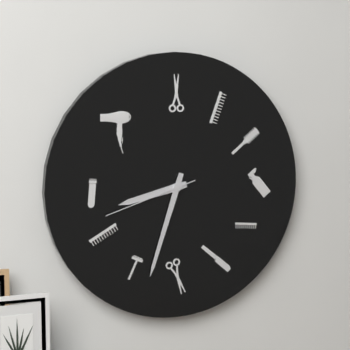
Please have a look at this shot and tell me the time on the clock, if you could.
8:33:42
